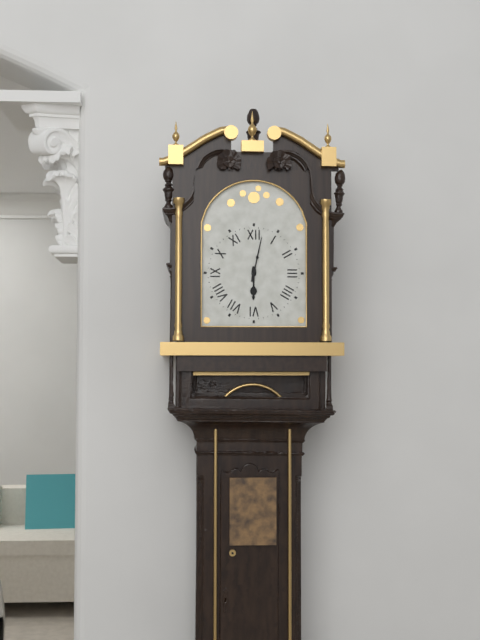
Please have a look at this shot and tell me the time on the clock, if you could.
6:02
